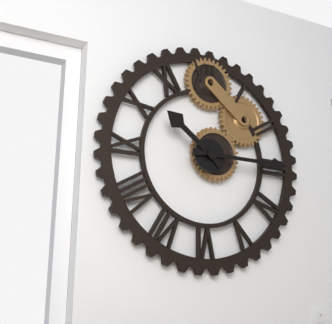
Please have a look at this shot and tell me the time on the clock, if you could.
10:15
